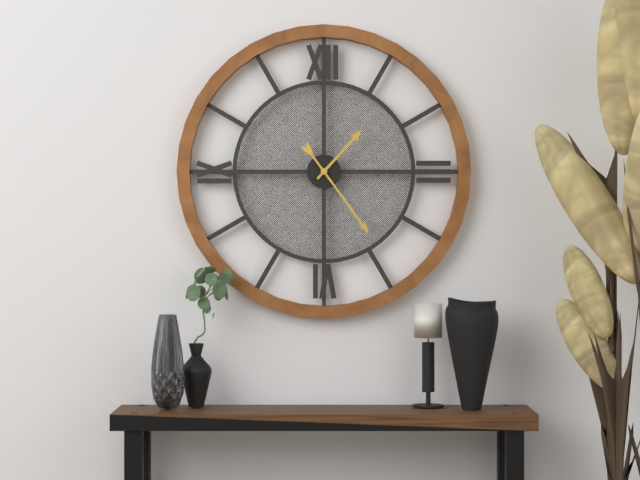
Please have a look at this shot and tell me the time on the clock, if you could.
1:24
